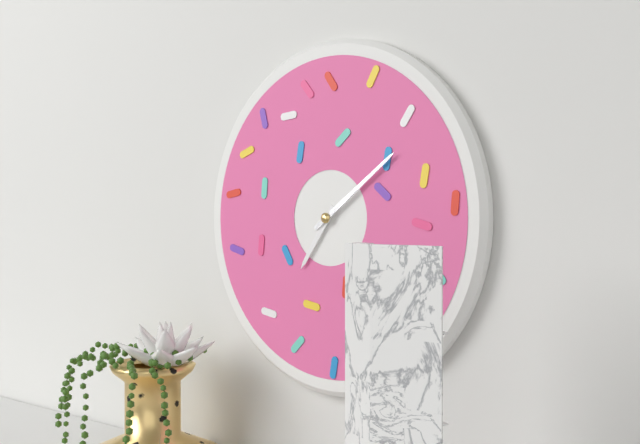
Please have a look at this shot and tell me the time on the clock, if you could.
7:09
